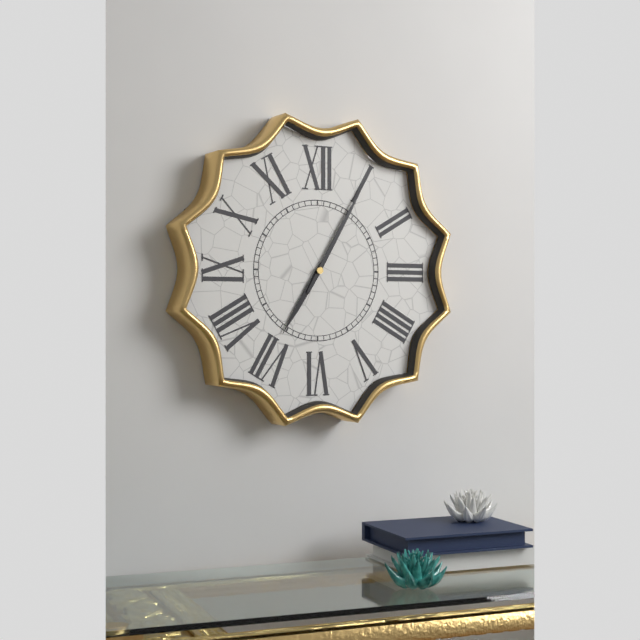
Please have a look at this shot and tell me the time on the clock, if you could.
7:05
